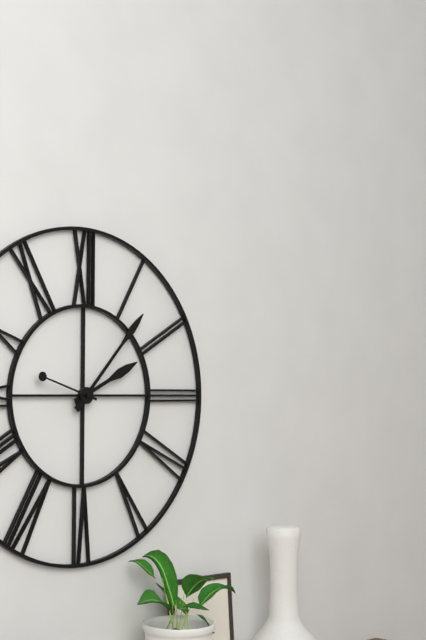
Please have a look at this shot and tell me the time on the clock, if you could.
2:07:48
